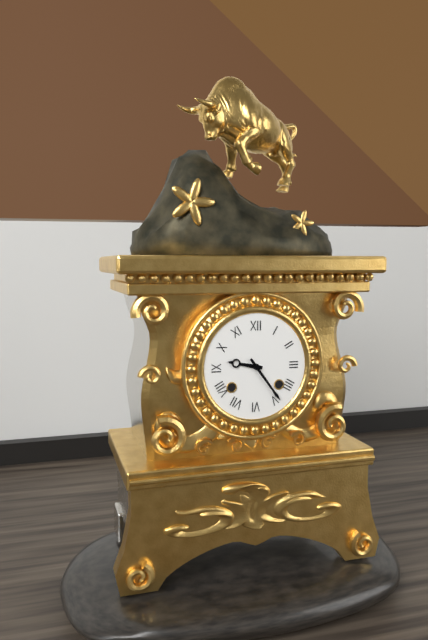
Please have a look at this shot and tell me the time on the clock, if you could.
9:24
